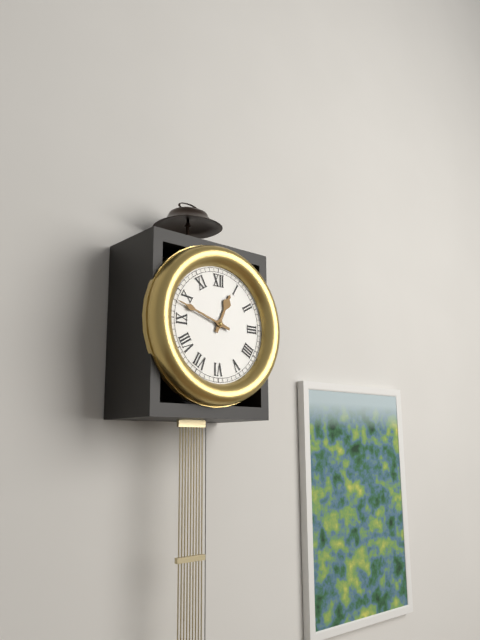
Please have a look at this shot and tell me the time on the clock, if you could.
12:48
